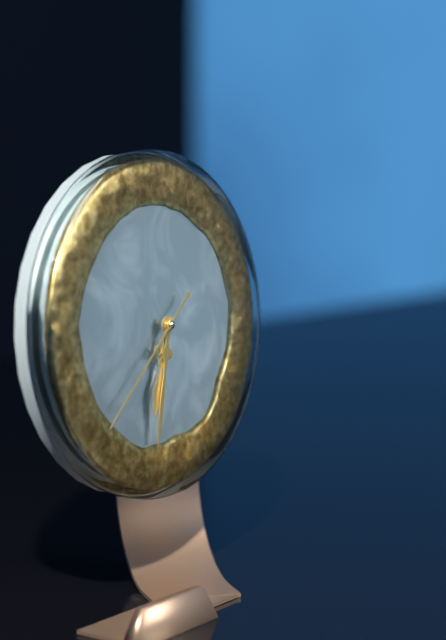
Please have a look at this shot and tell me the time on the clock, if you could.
6:32:38
